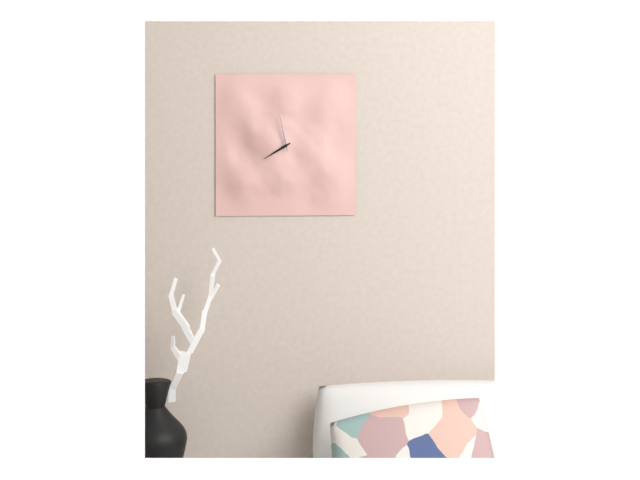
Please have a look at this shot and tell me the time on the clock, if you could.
7:58
